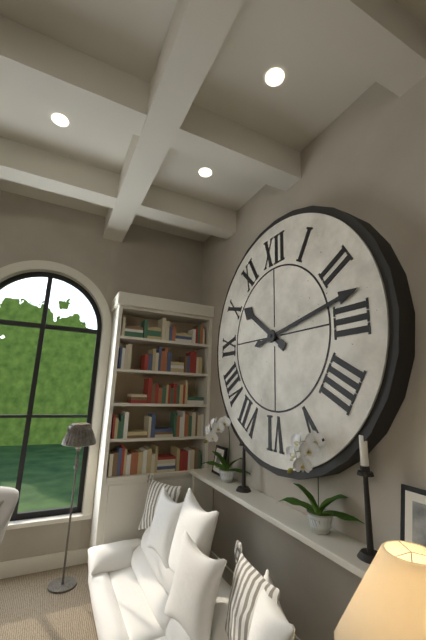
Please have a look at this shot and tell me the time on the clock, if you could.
10:13
